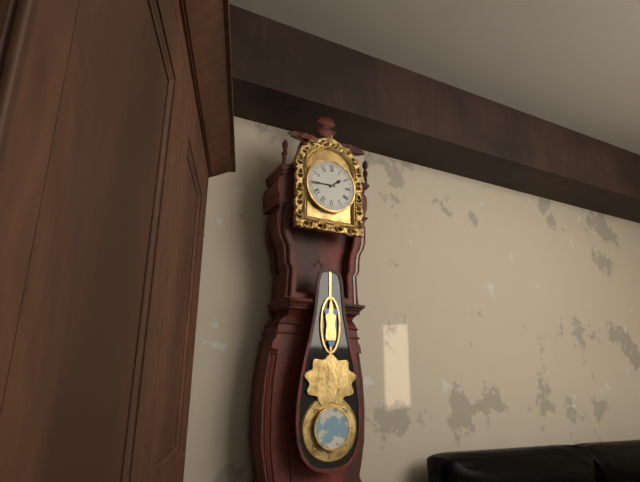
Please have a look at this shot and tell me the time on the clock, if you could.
1:45
